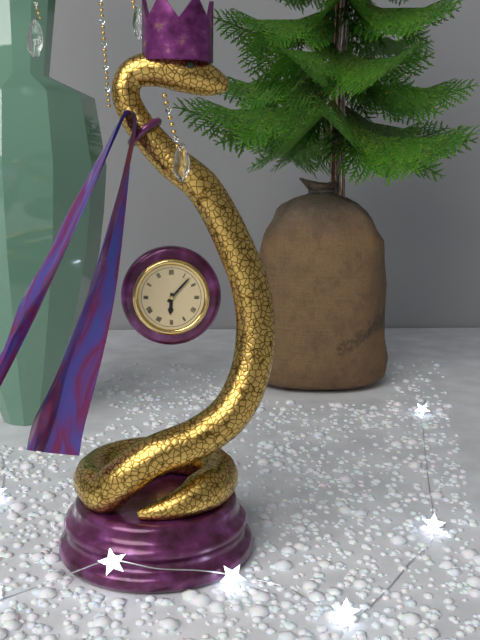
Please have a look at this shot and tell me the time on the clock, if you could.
6:07
